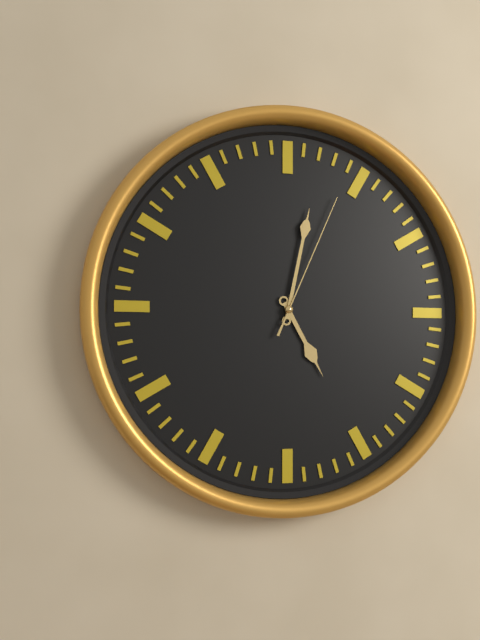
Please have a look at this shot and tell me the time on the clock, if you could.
5:02:04
